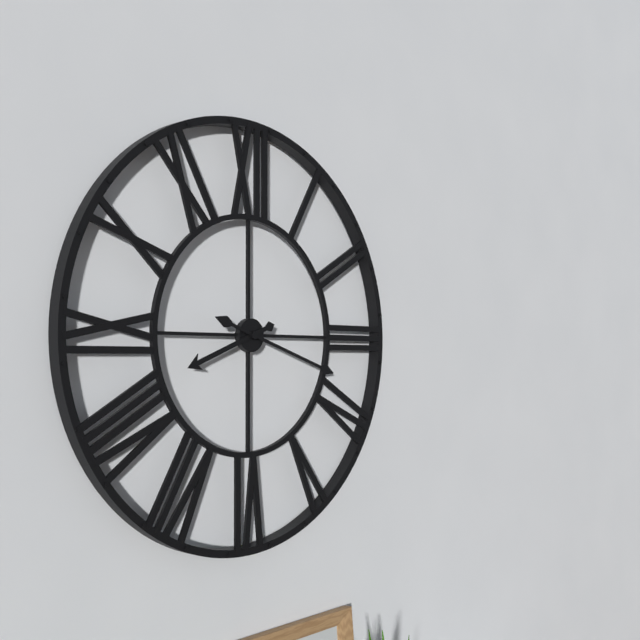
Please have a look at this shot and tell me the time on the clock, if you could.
8:18
